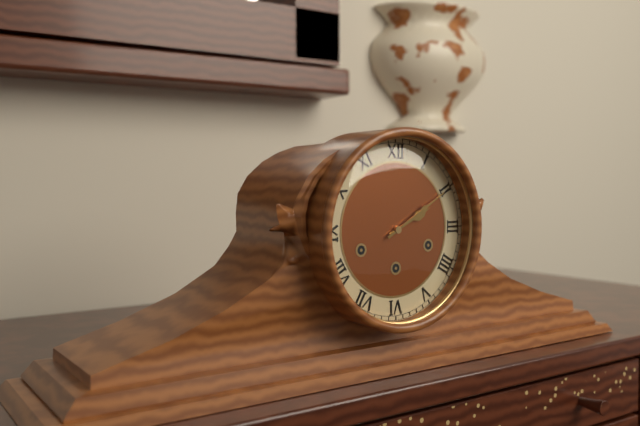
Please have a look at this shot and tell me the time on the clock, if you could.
2:10
